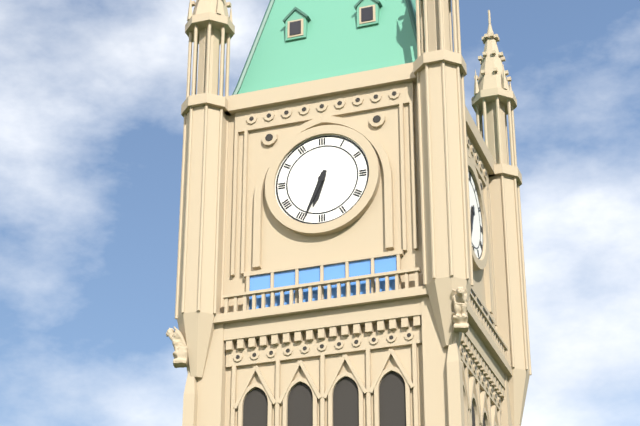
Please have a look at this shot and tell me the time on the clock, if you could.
6:34
